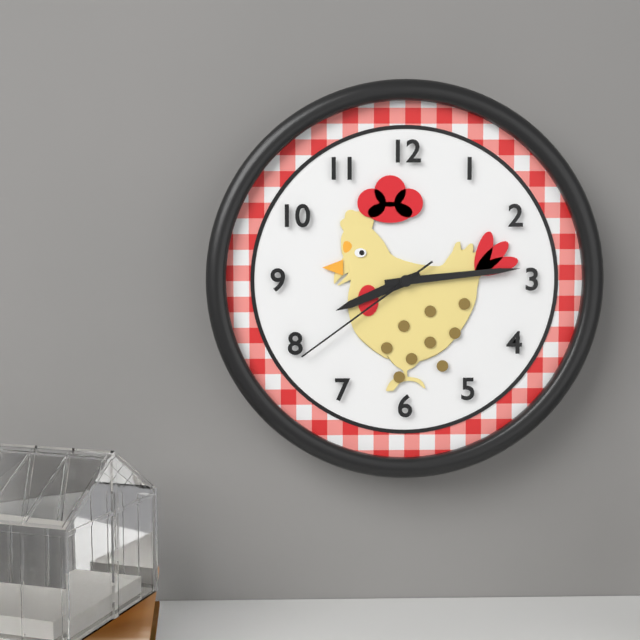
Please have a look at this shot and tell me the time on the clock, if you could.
8:14:39
